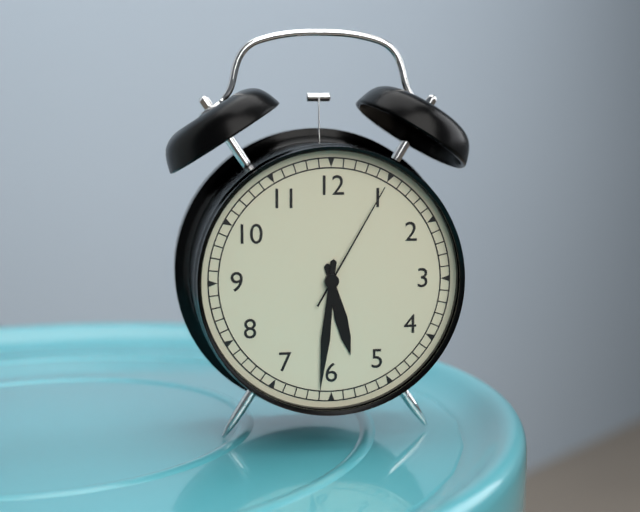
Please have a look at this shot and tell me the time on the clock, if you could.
5:31:05
